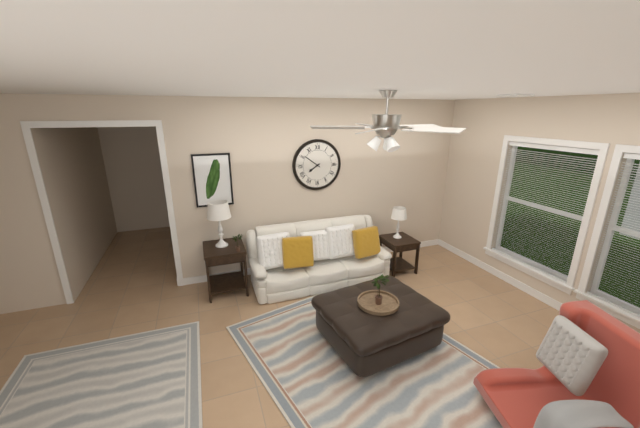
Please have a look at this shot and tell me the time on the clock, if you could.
7:51
